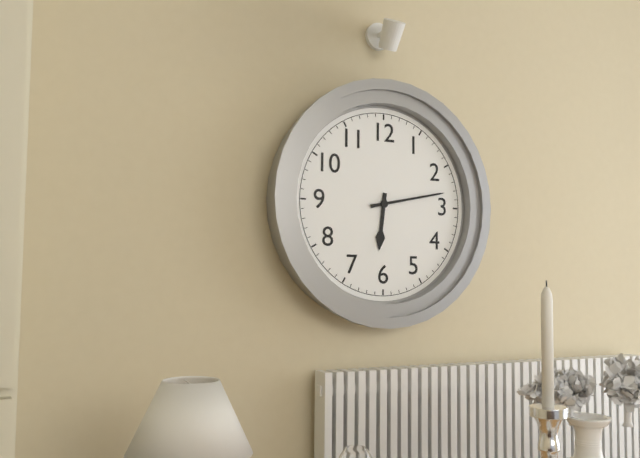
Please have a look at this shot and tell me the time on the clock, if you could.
6:13
